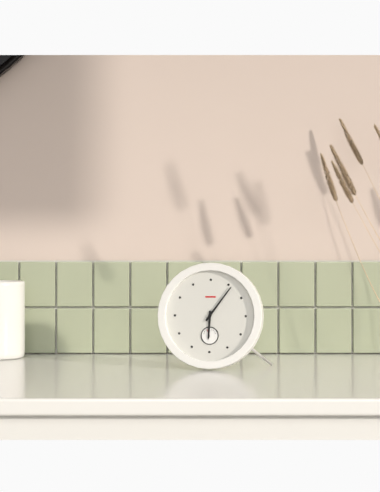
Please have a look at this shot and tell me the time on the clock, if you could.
6:06
